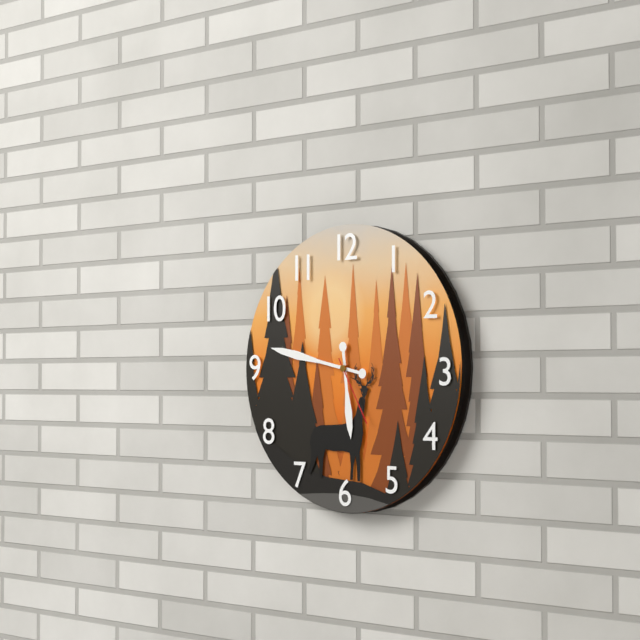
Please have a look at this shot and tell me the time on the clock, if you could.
5:47:25
